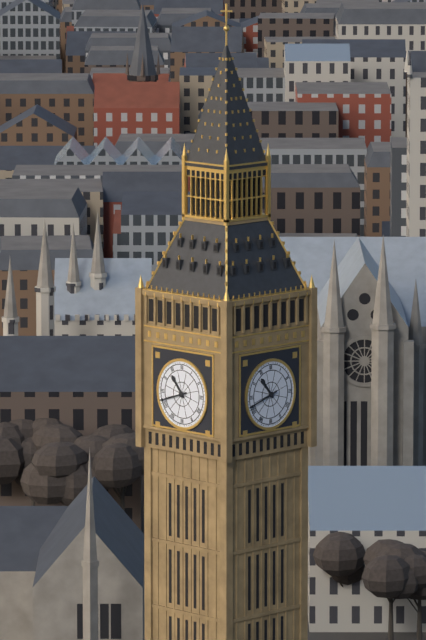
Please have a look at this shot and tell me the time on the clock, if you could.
10:42
